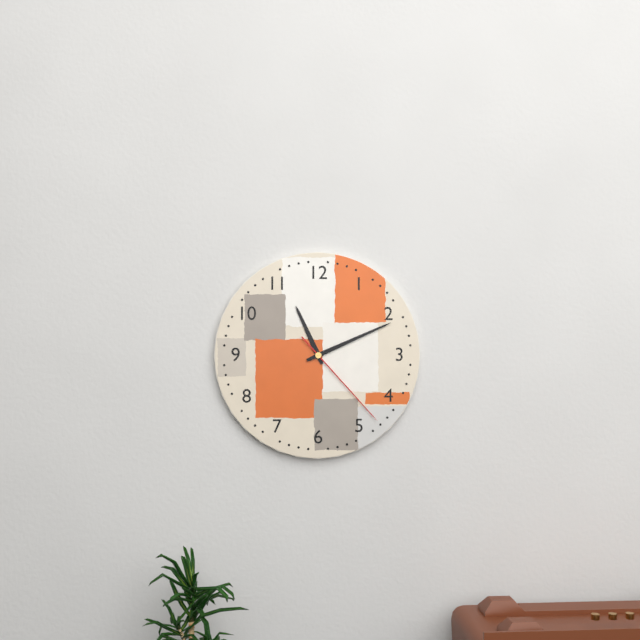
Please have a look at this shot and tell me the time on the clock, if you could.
11:11:23
